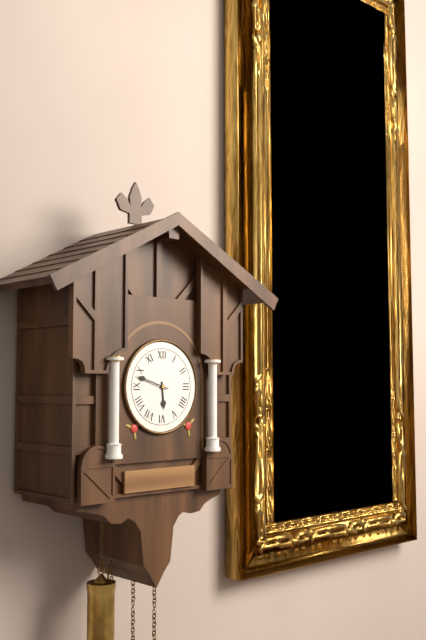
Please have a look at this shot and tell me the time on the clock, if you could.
5:48
